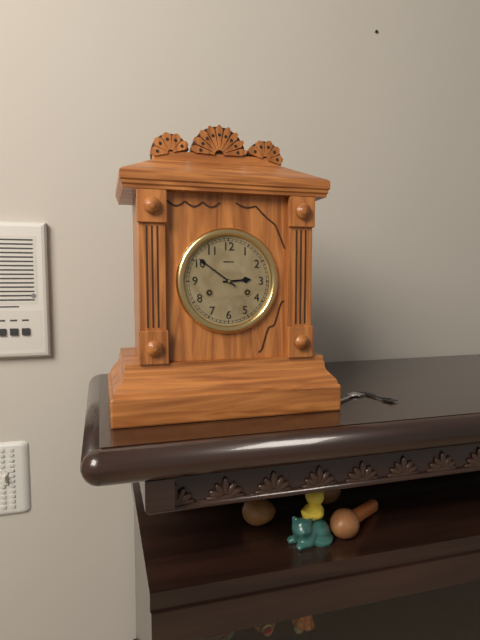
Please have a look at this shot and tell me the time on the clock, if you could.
2:51
